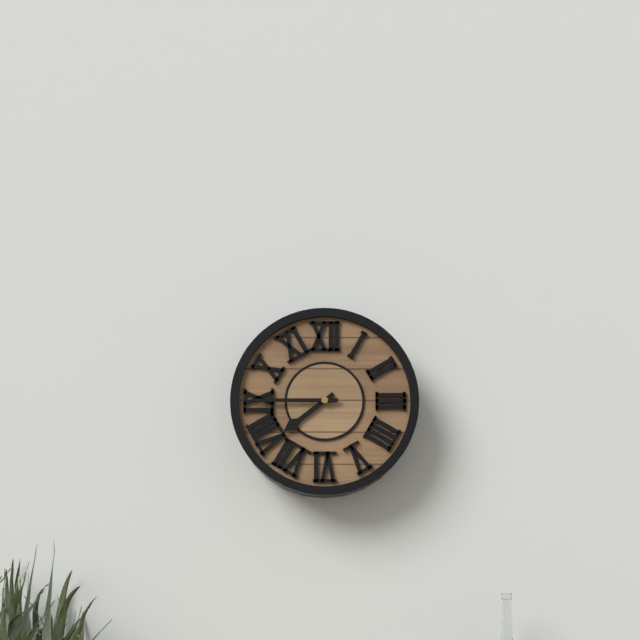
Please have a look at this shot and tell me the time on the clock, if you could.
7:45
